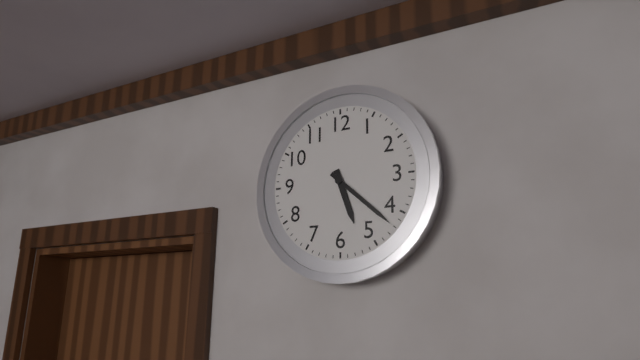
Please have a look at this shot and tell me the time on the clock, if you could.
5:22
